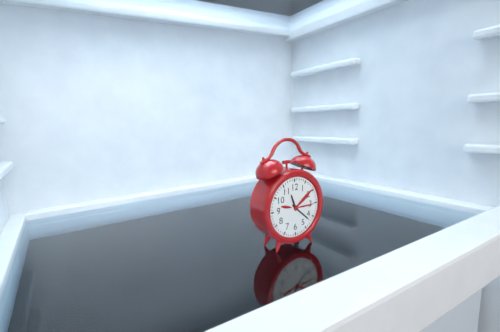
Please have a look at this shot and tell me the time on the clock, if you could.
11:22
